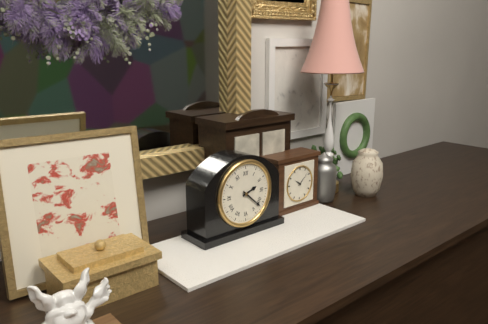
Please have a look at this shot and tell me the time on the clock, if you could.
2:22
